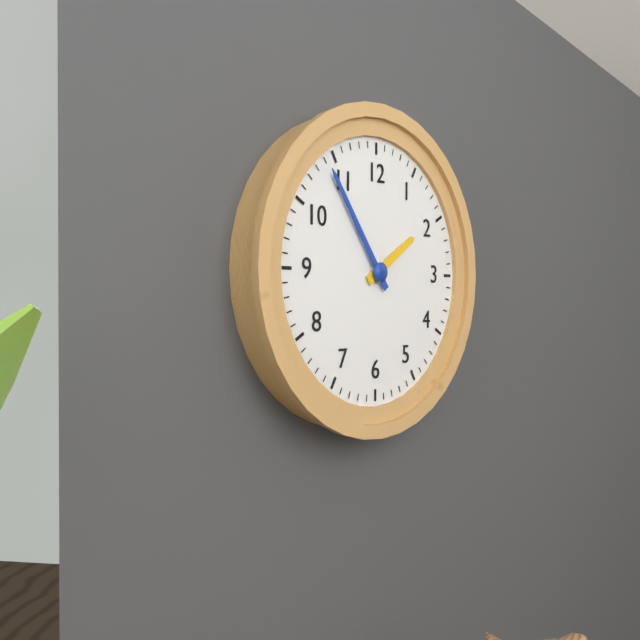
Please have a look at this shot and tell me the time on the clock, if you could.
1:54
